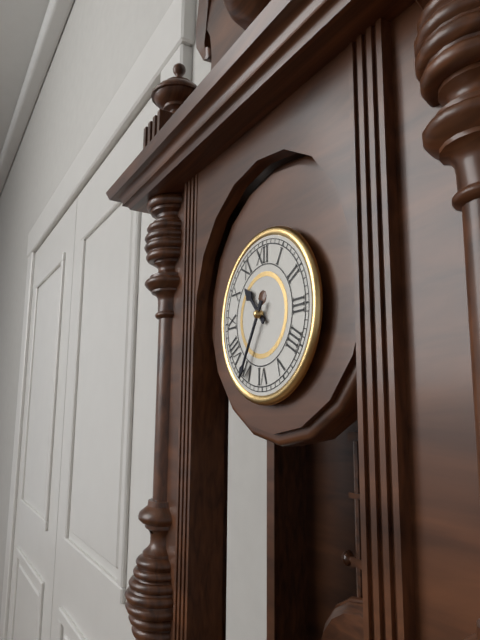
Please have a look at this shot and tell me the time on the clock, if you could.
10:35
